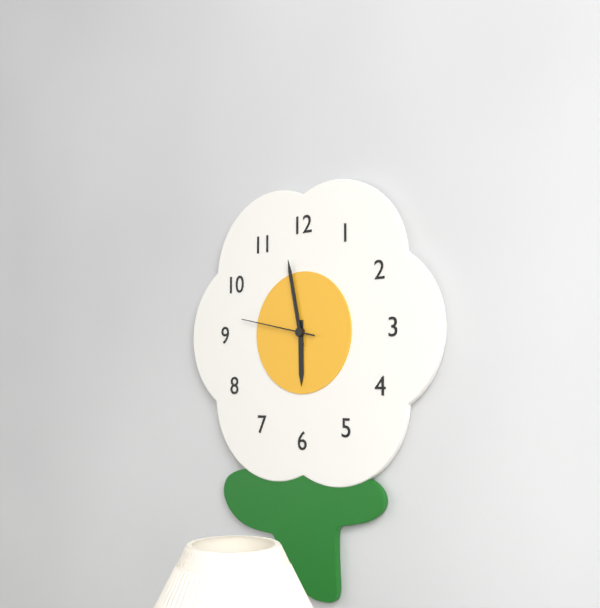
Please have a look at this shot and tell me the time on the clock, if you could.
5:58:47
